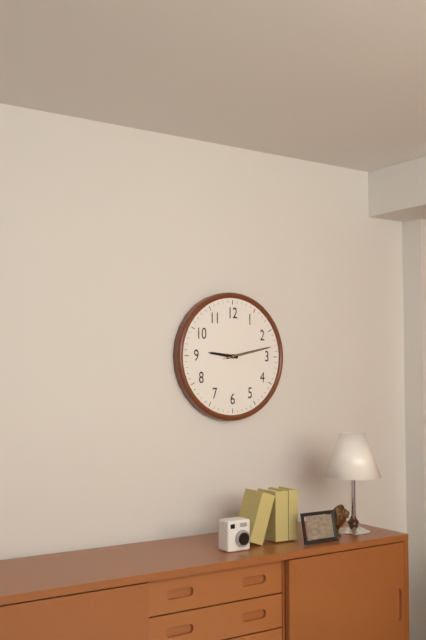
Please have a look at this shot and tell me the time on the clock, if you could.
9:13
